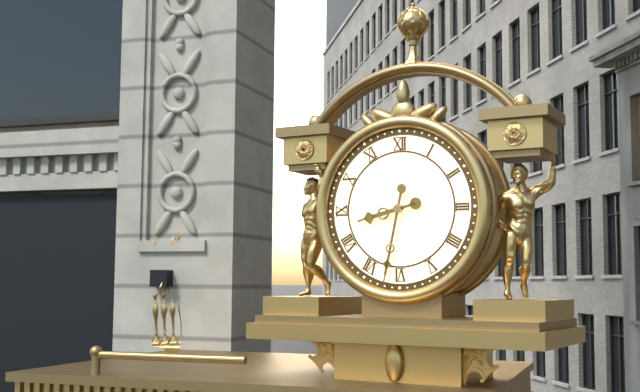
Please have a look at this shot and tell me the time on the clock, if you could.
8:32
